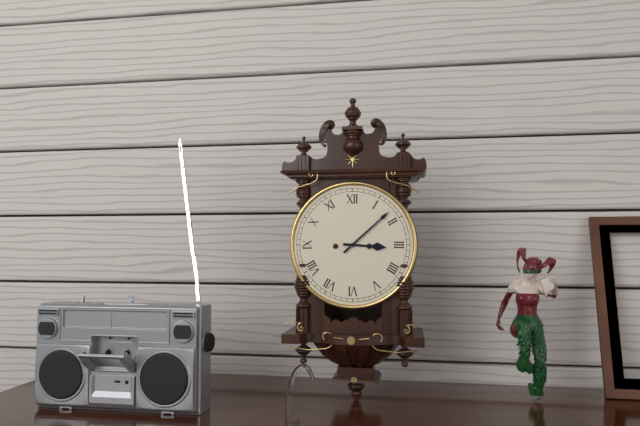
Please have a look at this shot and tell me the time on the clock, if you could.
3:08
